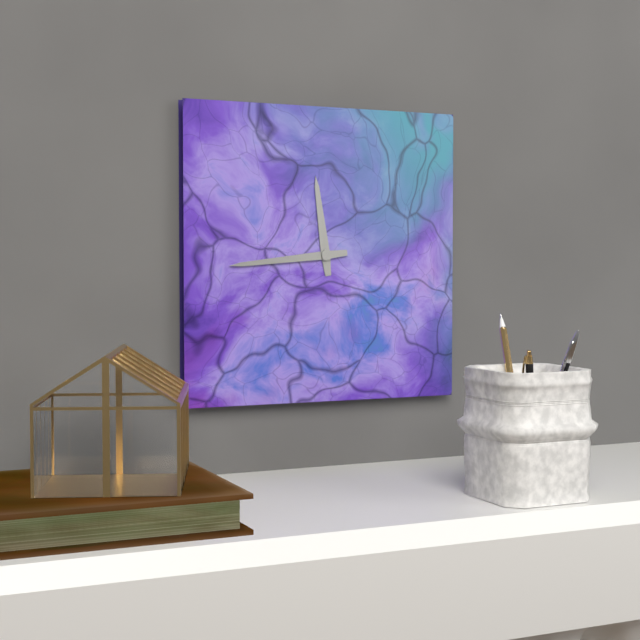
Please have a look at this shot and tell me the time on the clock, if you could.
11:44
